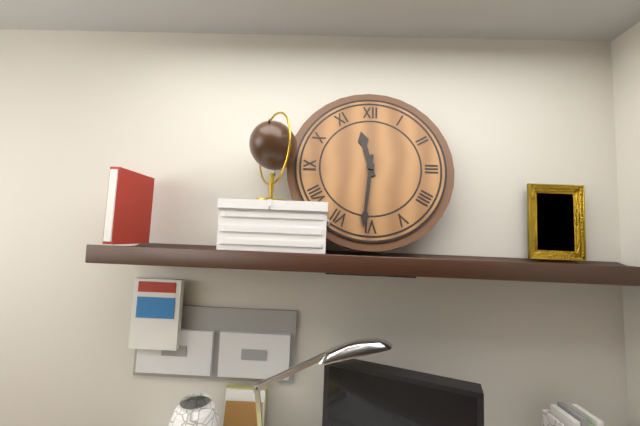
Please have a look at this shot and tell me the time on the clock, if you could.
11:31
